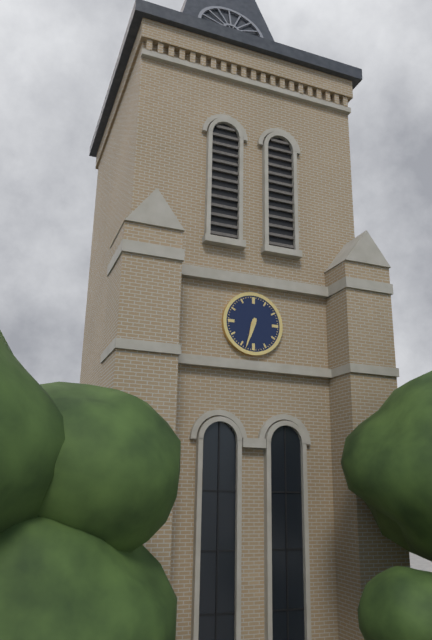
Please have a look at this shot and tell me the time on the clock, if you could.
6:33
